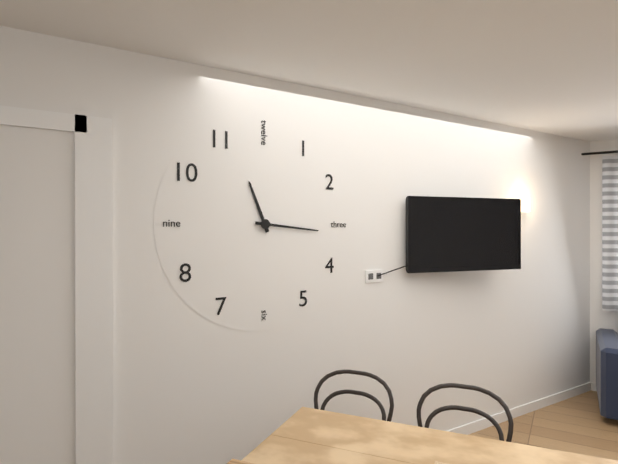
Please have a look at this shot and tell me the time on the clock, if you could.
11:16
